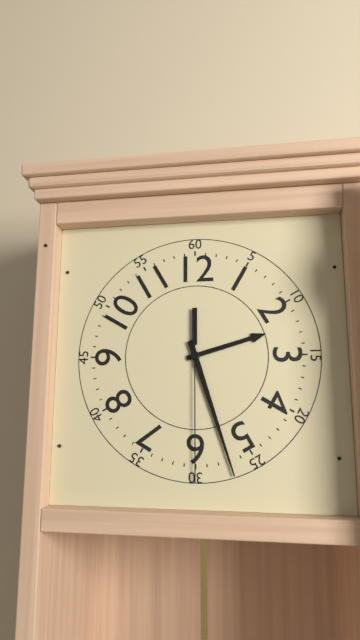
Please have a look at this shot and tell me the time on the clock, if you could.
2:27:30
